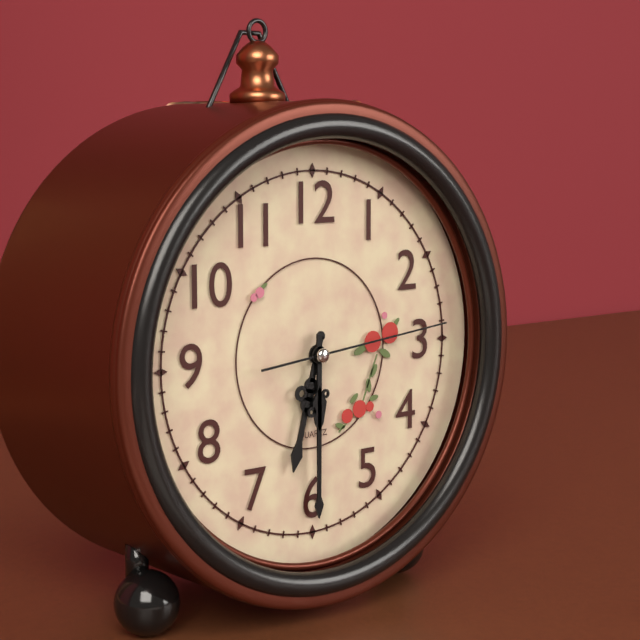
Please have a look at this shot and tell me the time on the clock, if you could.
6:30:14
